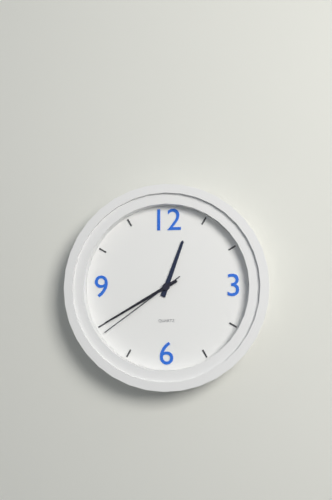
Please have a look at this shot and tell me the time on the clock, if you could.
12:40:39
